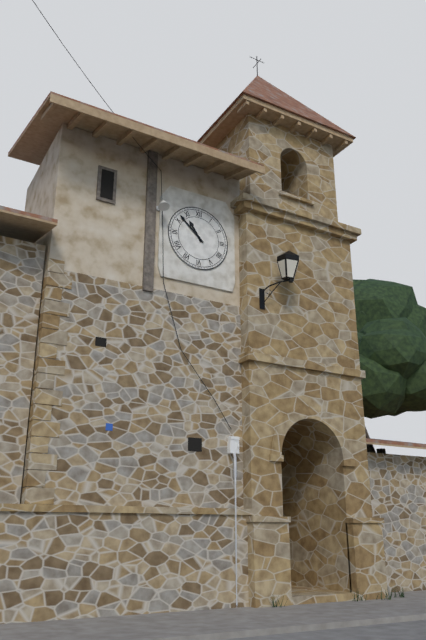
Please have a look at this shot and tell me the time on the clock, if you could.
10:52
